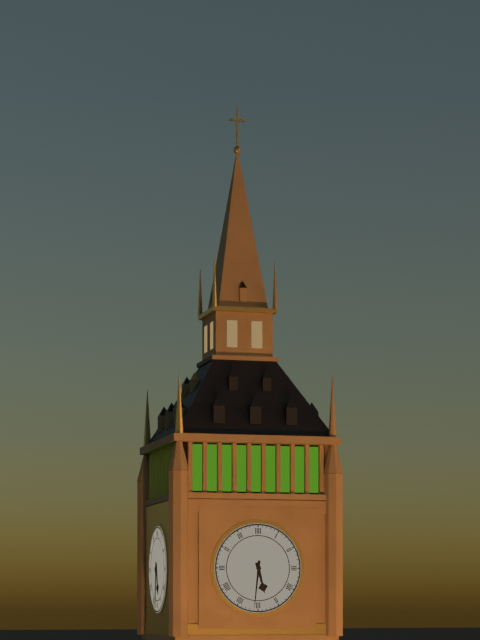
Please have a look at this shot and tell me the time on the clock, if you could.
5:31
